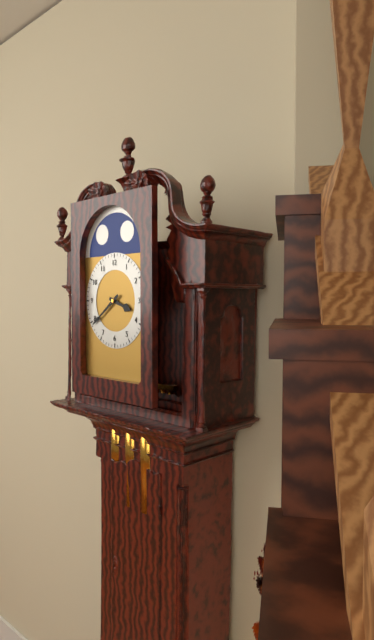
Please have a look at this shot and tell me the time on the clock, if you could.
3:39
